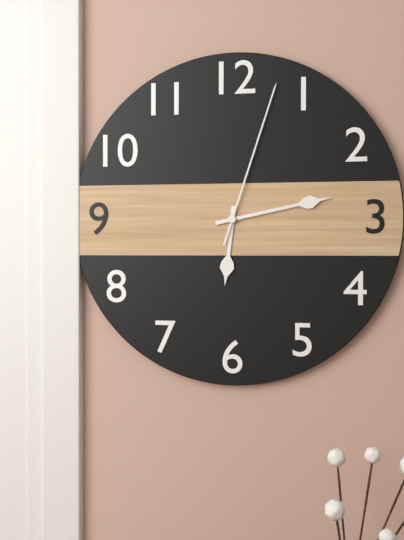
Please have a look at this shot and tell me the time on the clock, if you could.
6:13:03
